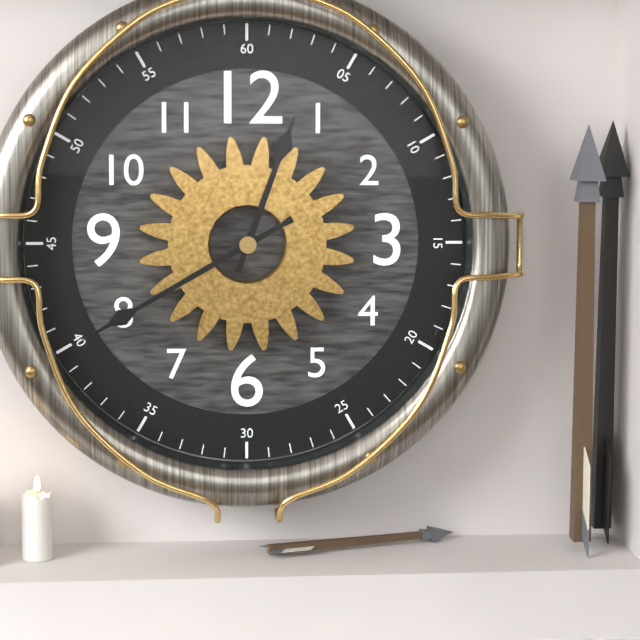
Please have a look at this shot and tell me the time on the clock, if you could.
12:40
